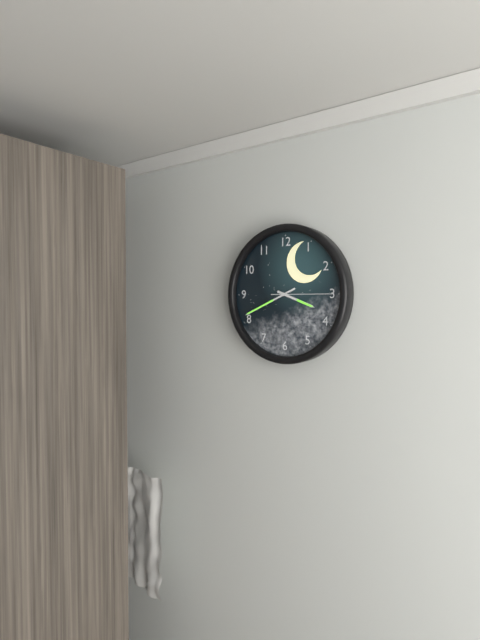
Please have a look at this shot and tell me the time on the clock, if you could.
3:41:15
